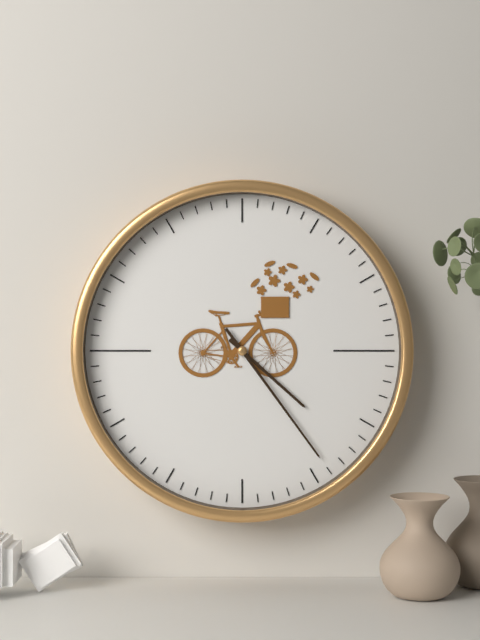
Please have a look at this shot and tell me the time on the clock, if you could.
4:24
